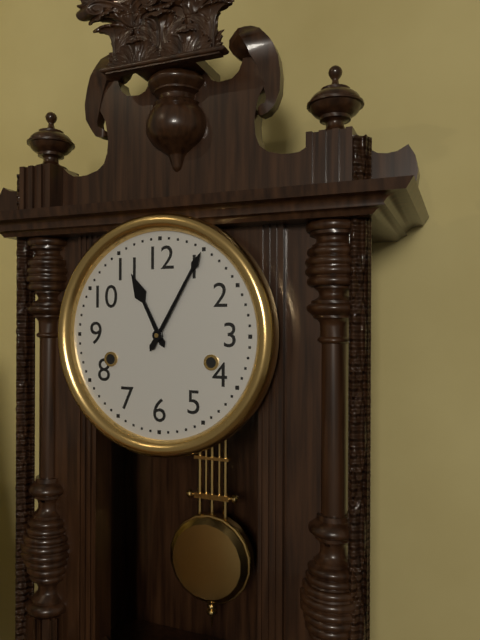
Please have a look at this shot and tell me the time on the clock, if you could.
11:05
